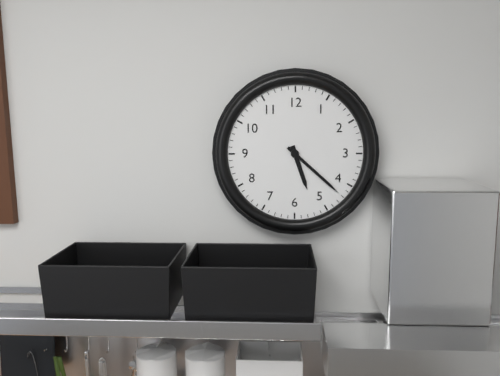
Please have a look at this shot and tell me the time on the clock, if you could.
5:22
